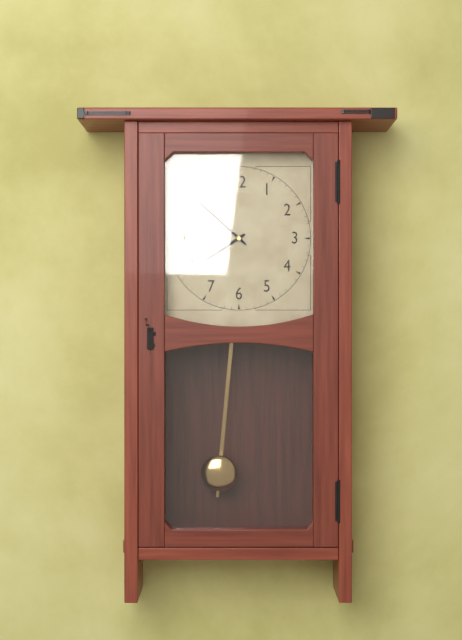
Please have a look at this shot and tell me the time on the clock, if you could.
7:52
